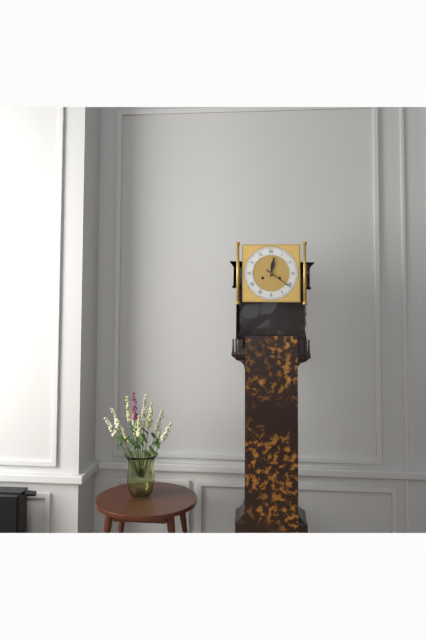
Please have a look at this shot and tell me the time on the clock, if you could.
12:21
